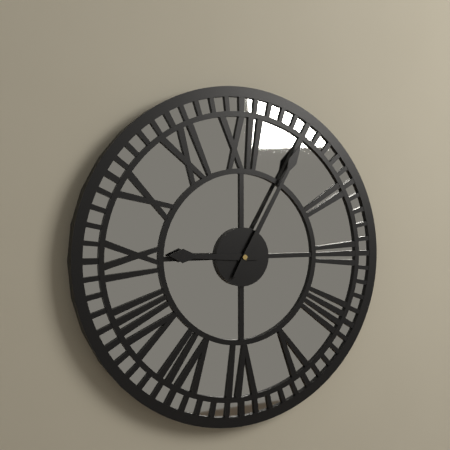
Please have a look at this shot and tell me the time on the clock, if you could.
9:05
